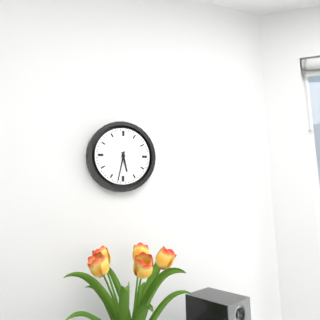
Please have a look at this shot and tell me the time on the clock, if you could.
5:32
